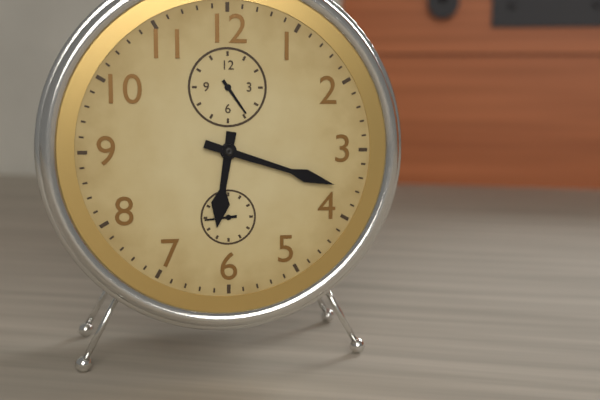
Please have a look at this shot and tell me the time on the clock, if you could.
6:18
